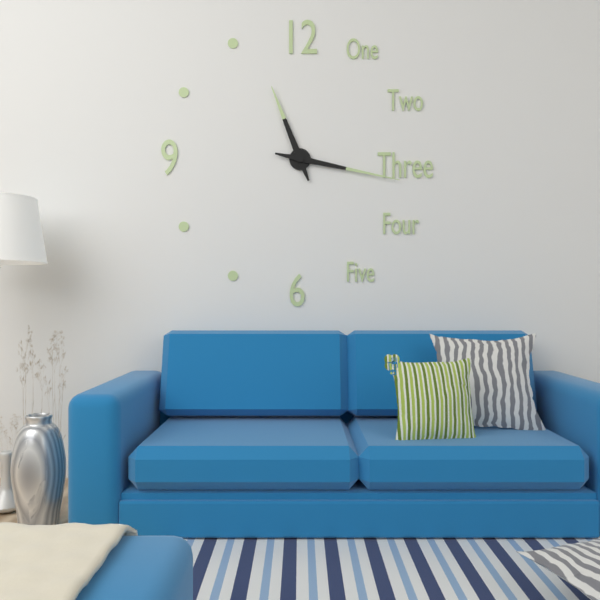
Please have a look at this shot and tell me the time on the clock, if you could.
11:17
